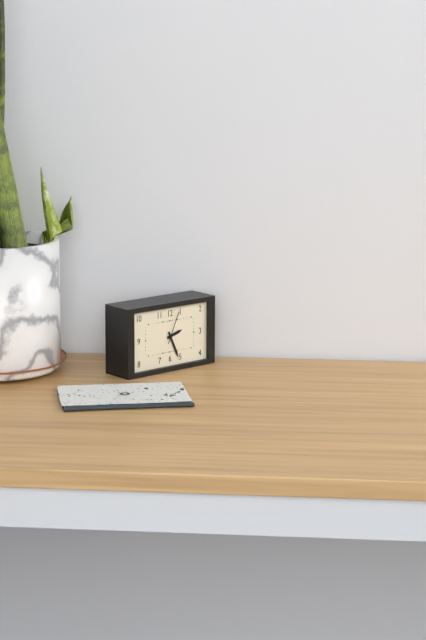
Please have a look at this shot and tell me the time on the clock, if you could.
2:26
